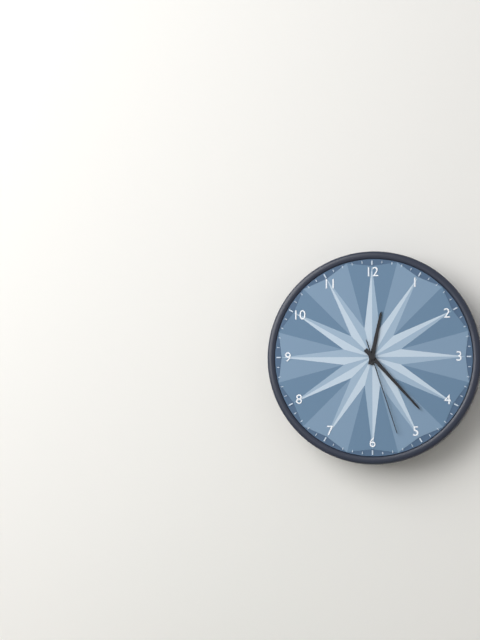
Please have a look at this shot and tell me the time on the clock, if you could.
12:23:27
